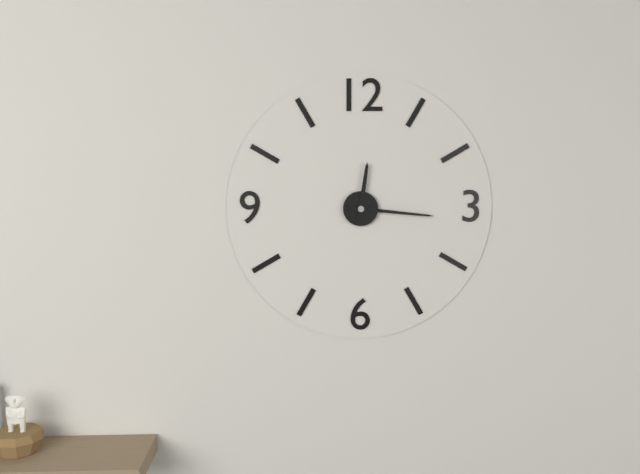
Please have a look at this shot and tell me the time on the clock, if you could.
12:16
